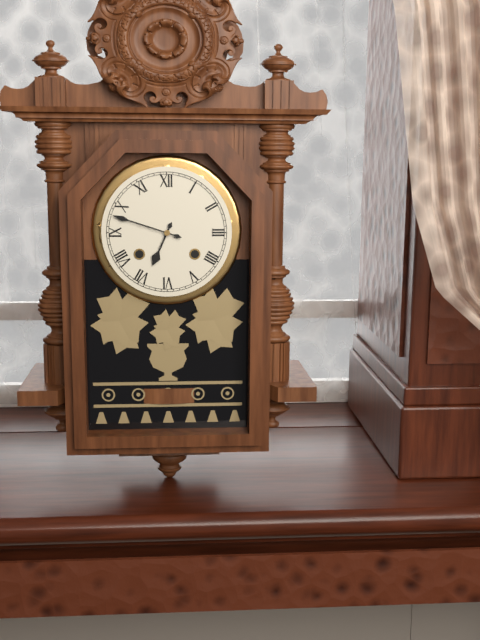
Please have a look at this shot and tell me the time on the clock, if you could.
6:48
